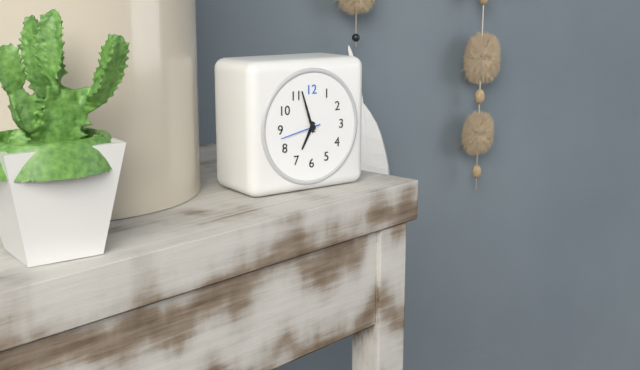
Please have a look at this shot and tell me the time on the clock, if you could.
6:57
